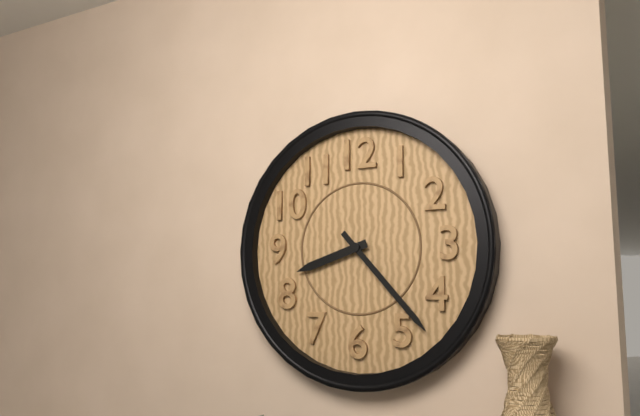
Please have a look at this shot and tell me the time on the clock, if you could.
8:23
